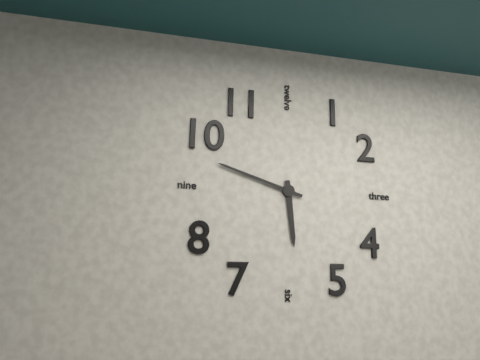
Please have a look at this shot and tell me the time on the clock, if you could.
5:48
